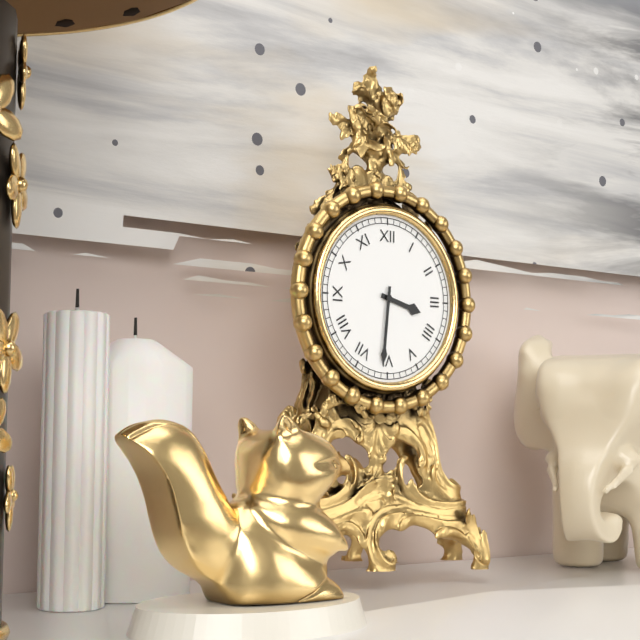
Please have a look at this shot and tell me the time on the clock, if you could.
3:31
